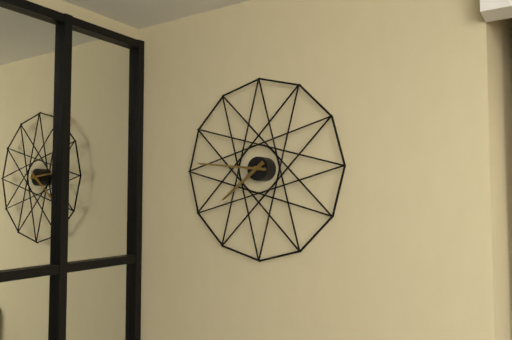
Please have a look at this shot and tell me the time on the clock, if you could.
7:46
